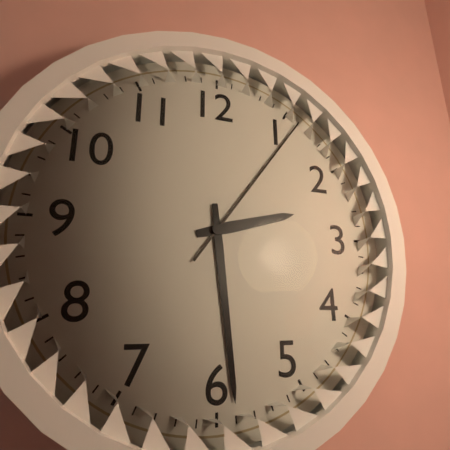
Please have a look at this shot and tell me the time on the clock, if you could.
2:29:06
